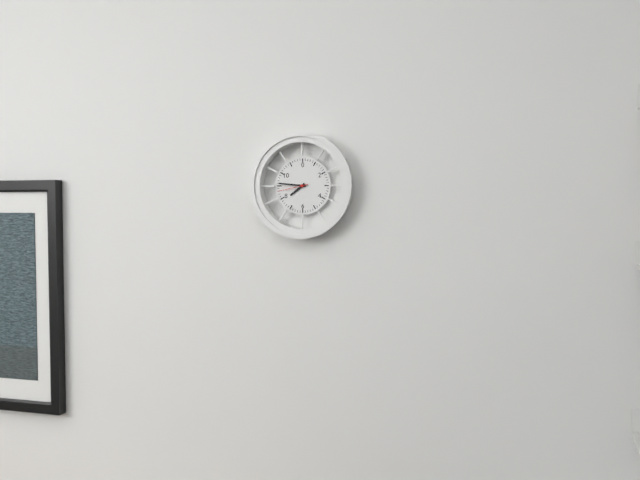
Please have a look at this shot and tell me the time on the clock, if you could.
7:46
